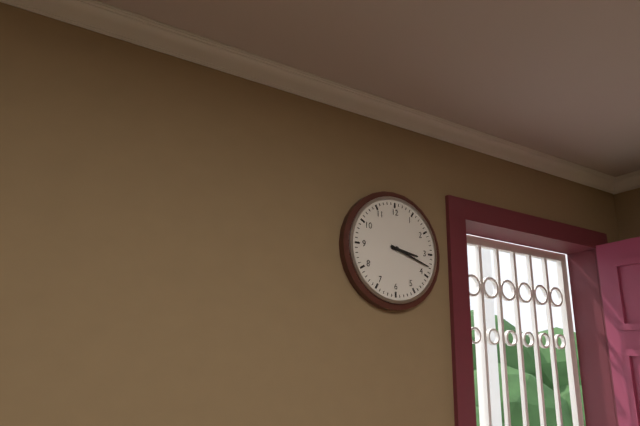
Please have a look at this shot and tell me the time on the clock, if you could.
3:18
